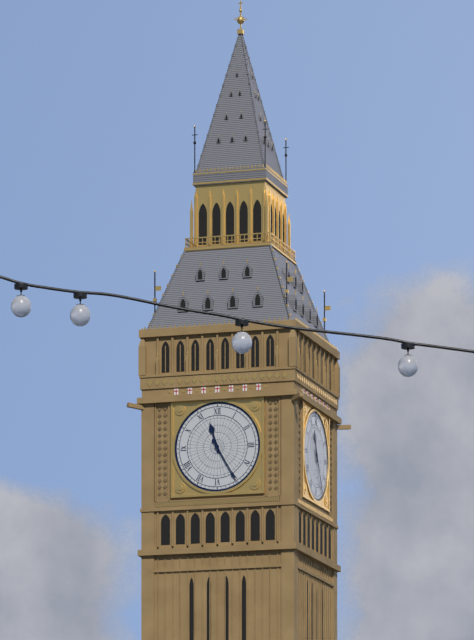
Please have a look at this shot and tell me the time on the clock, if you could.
11:25
